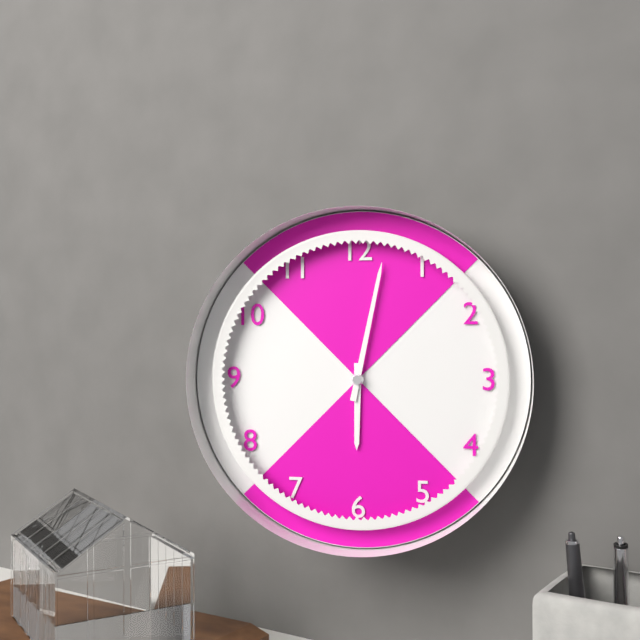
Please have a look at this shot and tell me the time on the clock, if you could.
6:02
